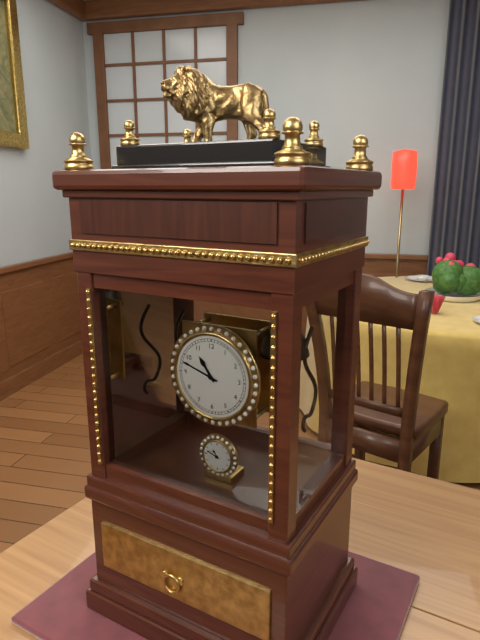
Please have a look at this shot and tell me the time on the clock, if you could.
10:48
